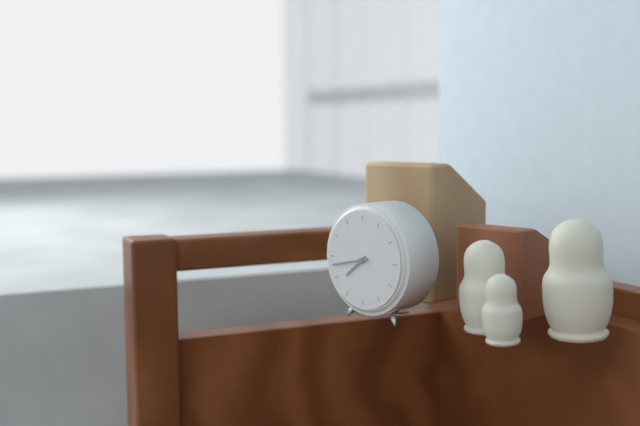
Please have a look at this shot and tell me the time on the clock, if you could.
7:43
